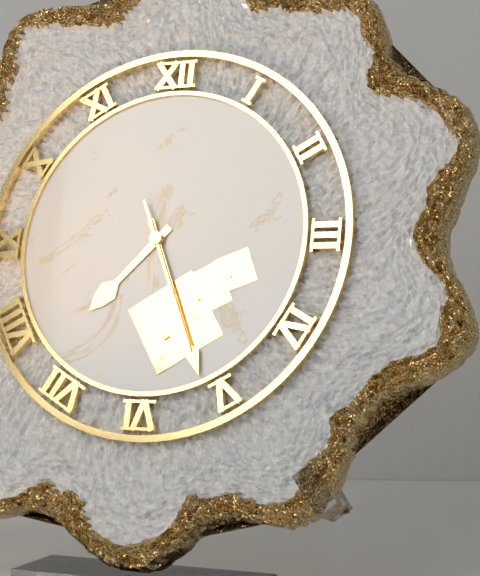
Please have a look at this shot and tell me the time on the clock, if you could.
7:26:26
